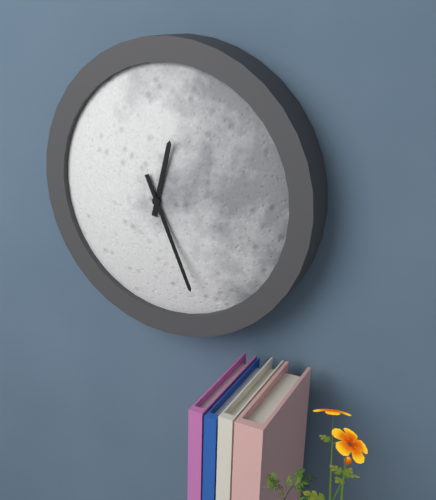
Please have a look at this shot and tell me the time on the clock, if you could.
12:26
